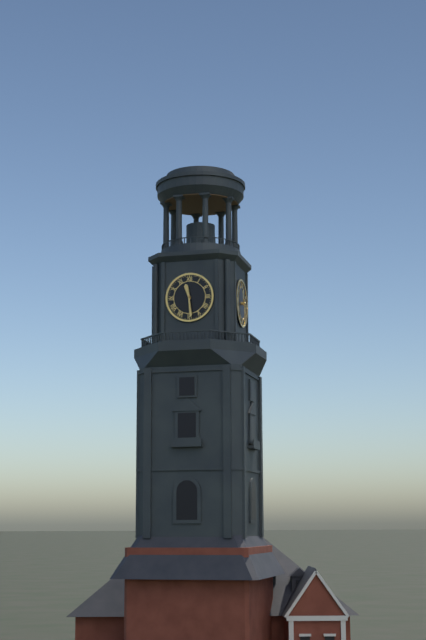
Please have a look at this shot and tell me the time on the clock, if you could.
11:29
